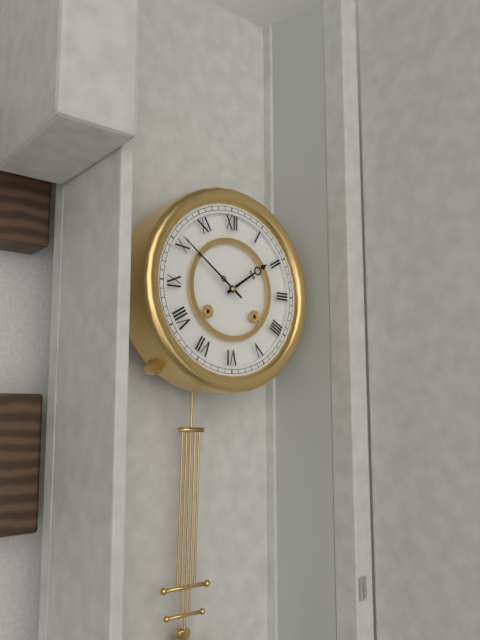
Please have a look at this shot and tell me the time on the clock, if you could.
1:51
